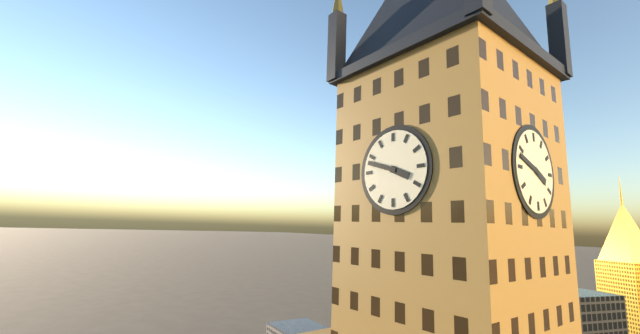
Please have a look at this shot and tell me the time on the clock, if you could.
3:48
